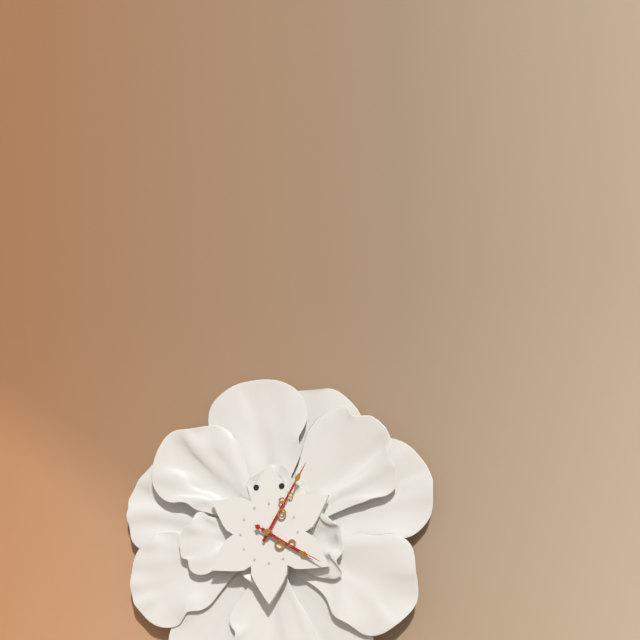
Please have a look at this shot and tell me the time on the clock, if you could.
4:05:20
